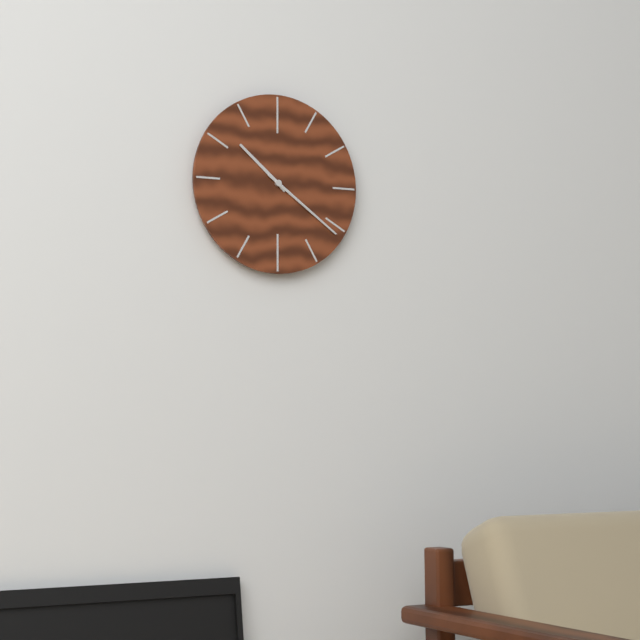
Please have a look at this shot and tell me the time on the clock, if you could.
10:21
